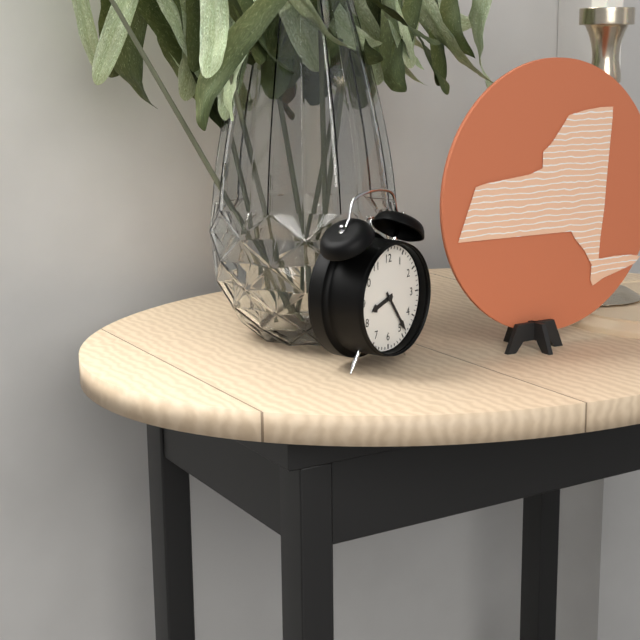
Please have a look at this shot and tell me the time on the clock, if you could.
8:24
